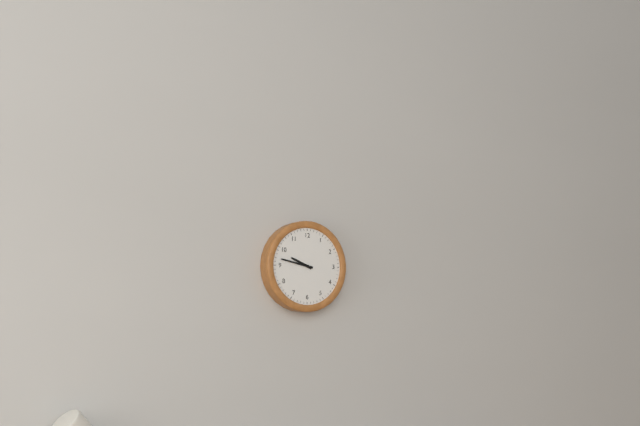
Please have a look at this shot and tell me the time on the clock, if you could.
9:47
